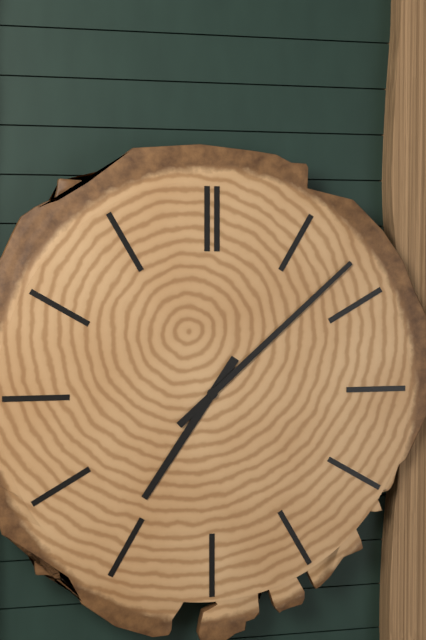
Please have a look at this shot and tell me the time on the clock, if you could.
7:08
